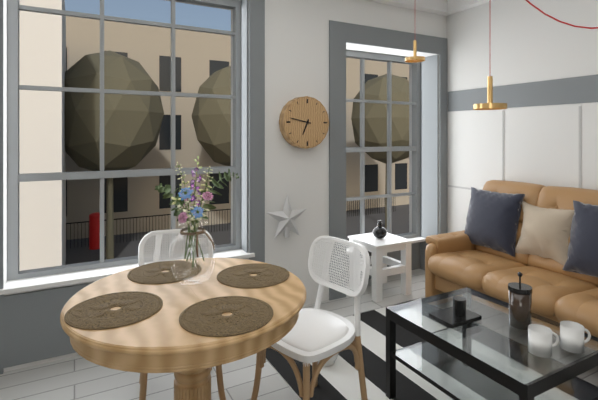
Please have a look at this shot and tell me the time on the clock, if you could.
6:47
